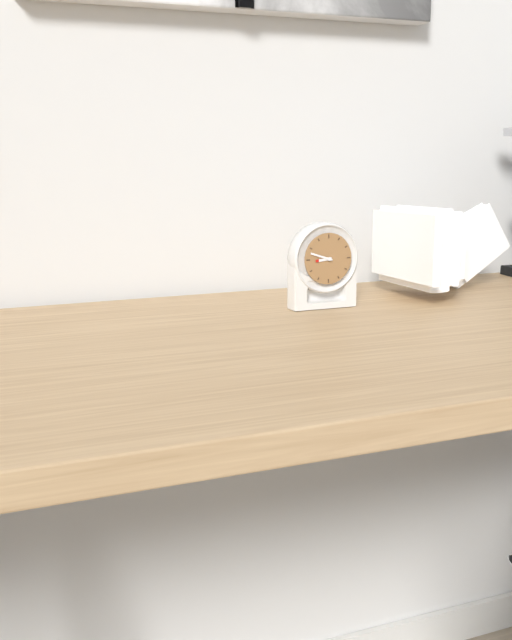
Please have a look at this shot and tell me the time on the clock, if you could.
8:48
